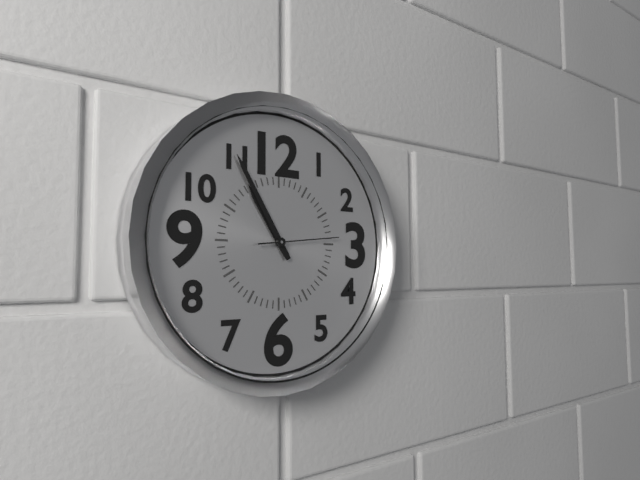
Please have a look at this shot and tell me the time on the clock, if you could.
10:55:14
